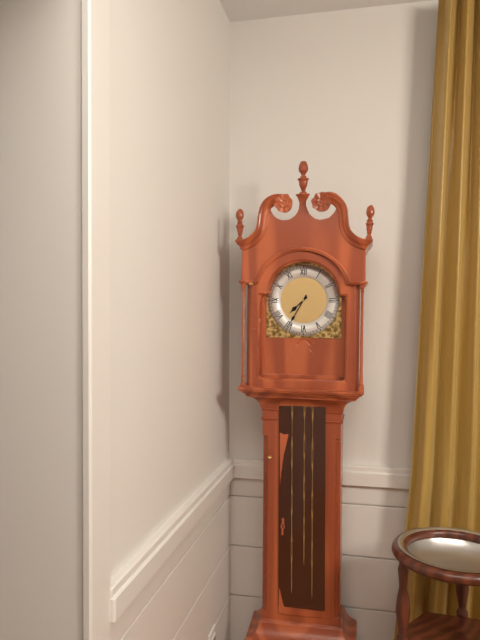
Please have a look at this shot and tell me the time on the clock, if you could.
7:35
